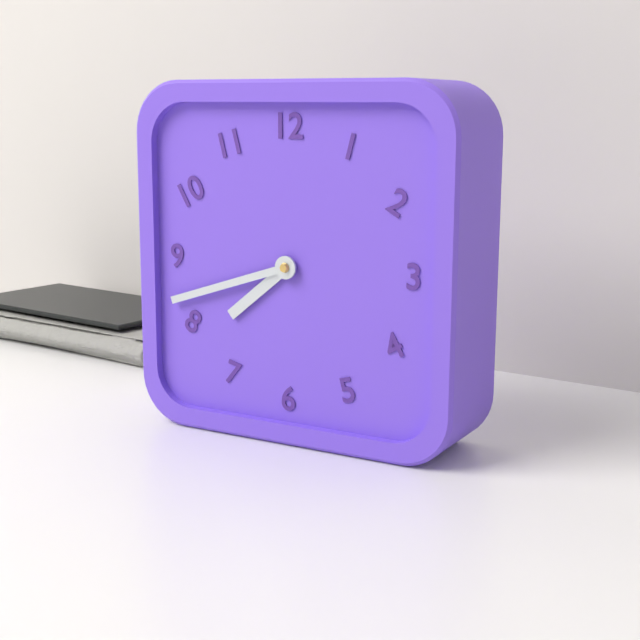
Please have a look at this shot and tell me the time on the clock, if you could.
7:42
